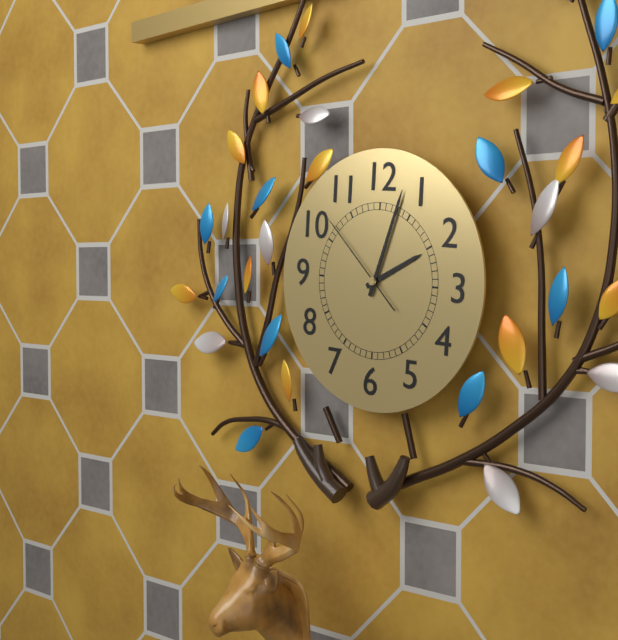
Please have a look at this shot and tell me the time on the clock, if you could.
2:03:52
